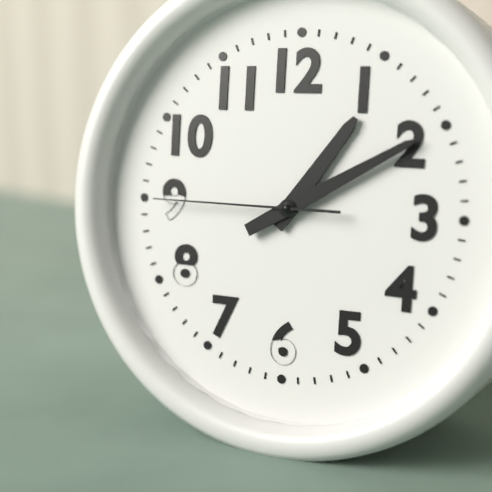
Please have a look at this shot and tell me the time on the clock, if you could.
1:10:45
